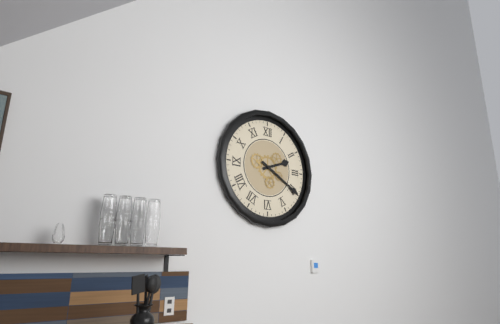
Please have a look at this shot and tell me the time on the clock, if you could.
2:20
